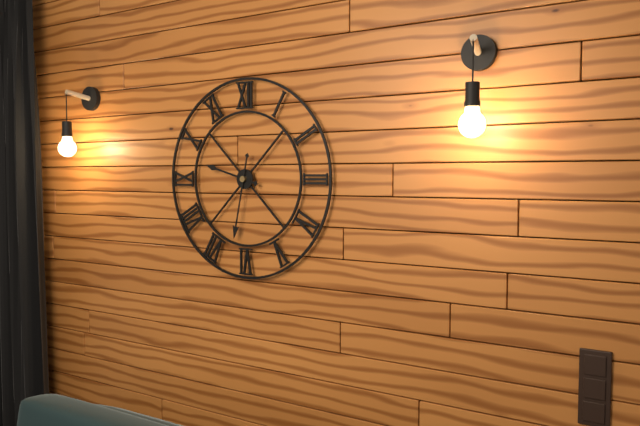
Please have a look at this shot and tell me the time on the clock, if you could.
9:32
